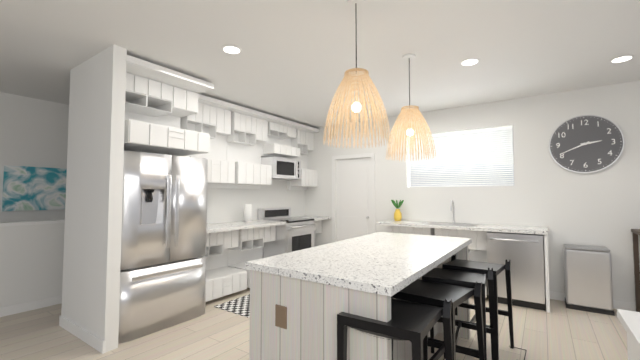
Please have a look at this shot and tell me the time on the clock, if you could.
2:41
